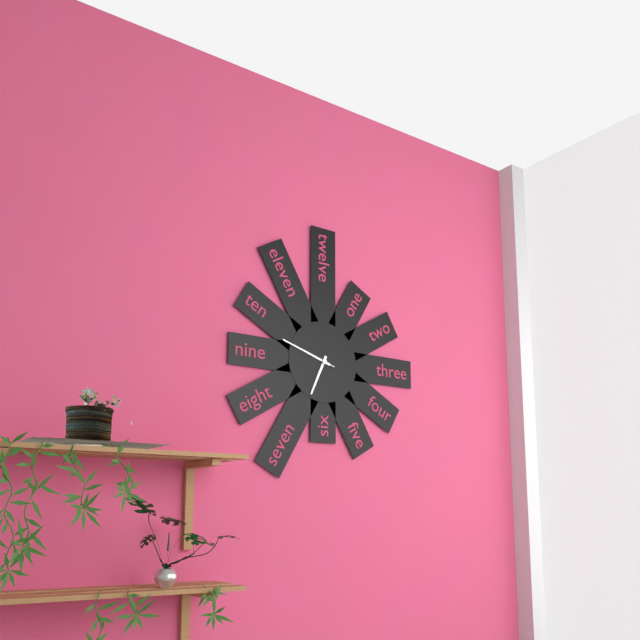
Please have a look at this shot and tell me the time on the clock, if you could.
6:48
